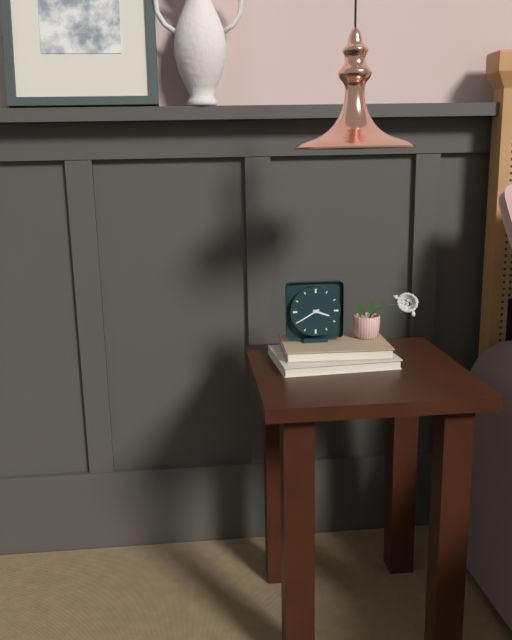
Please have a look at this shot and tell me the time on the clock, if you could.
3:40
